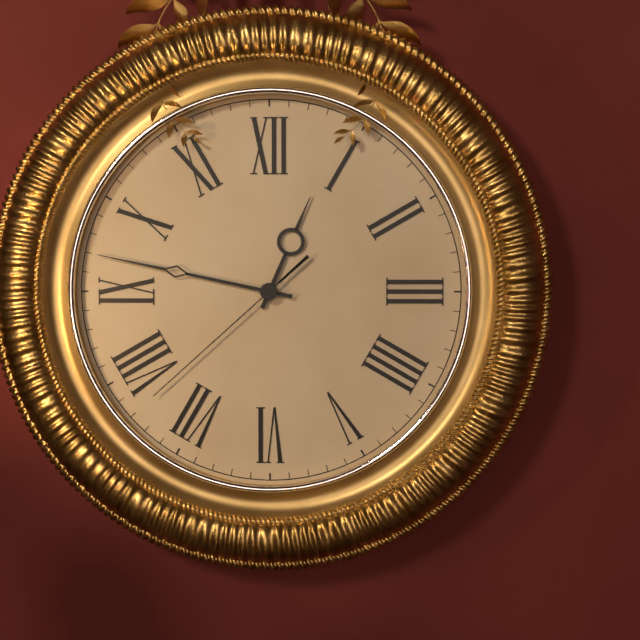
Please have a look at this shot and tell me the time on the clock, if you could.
12:47:38
